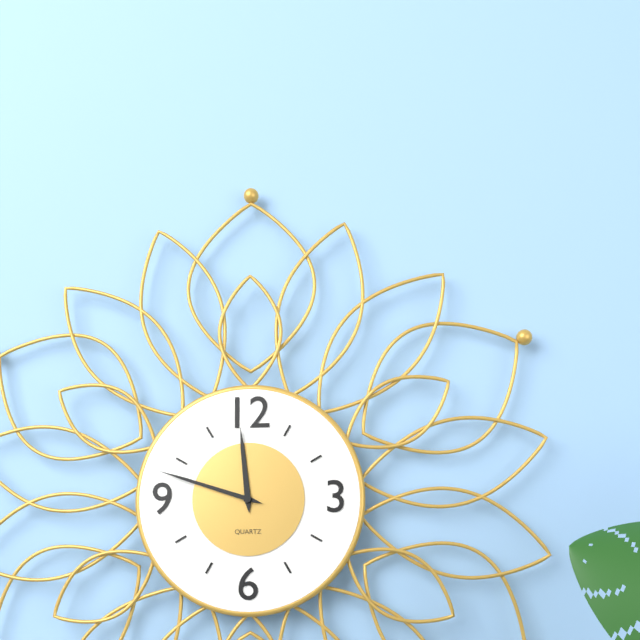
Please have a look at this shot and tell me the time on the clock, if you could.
11:48
